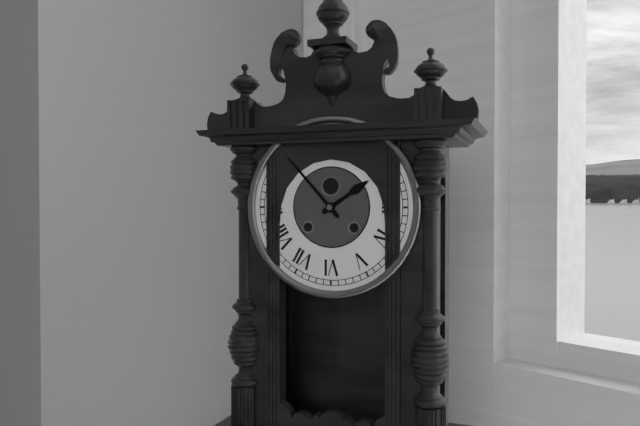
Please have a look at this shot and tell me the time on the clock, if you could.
1:53
